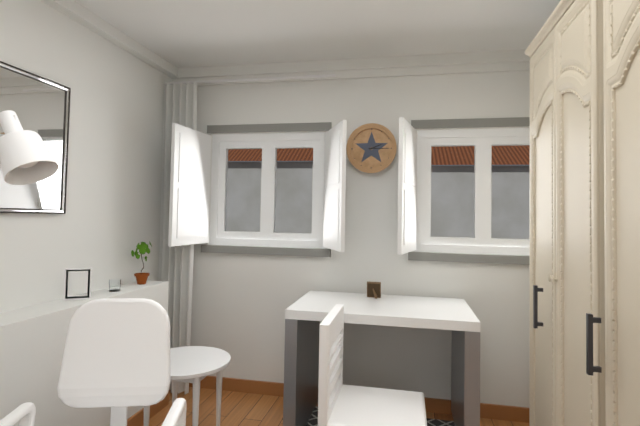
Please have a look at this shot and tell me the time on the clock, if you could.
2:15
